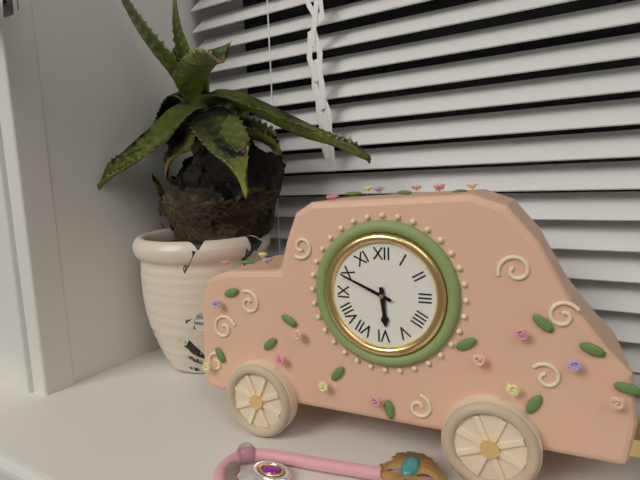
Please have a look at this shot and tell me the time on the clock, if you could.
5:49
